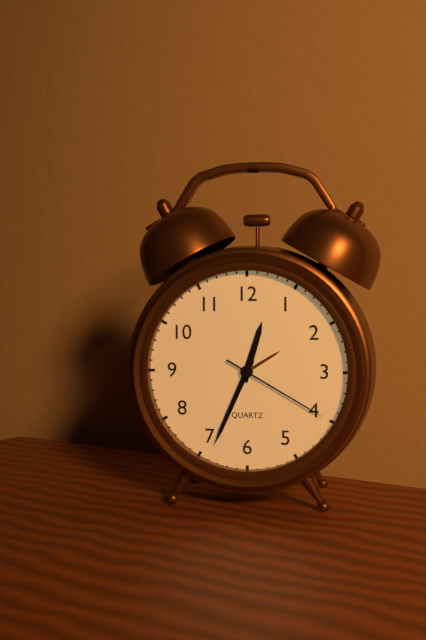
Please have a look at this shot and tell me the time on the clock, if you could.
12:34:20
